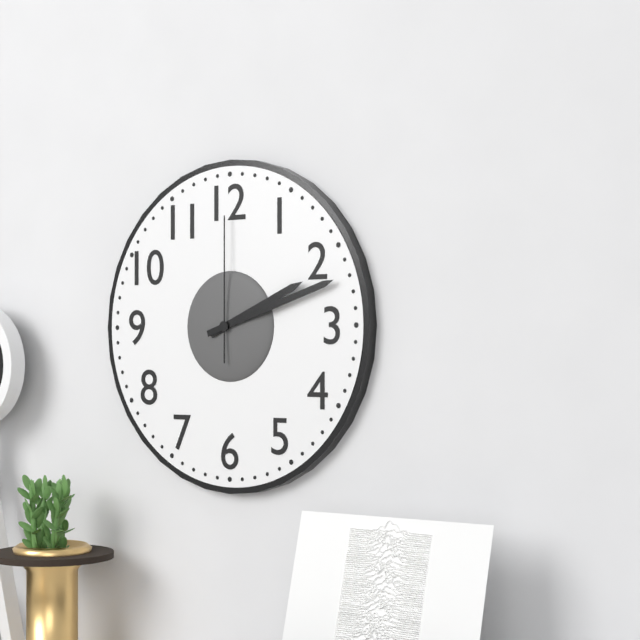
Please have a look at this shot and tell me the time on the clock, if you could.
2:12:00
